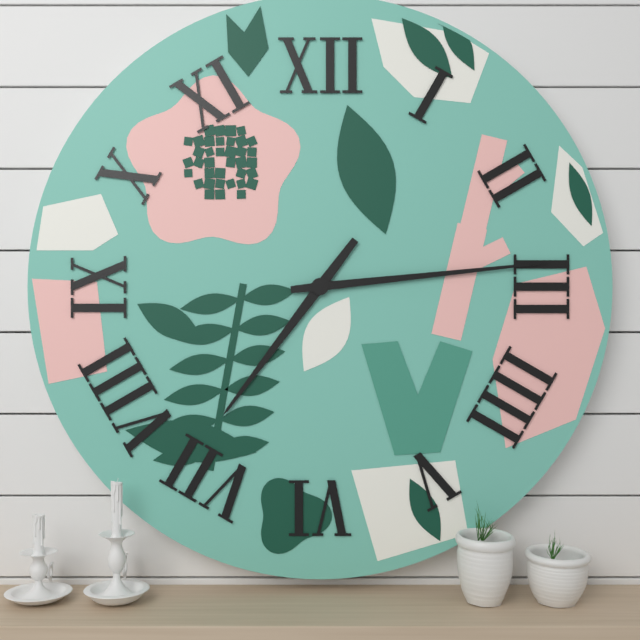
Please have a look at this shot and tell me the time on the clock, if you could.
7:14
